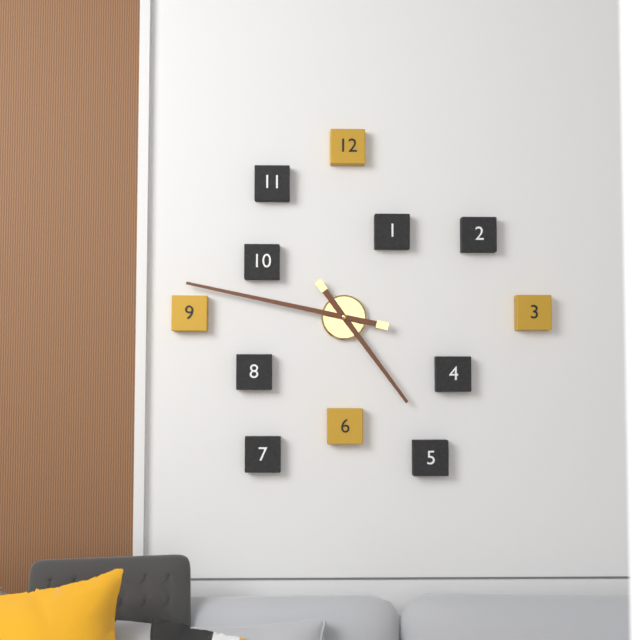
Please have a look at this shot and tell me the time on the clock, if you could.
4:47
